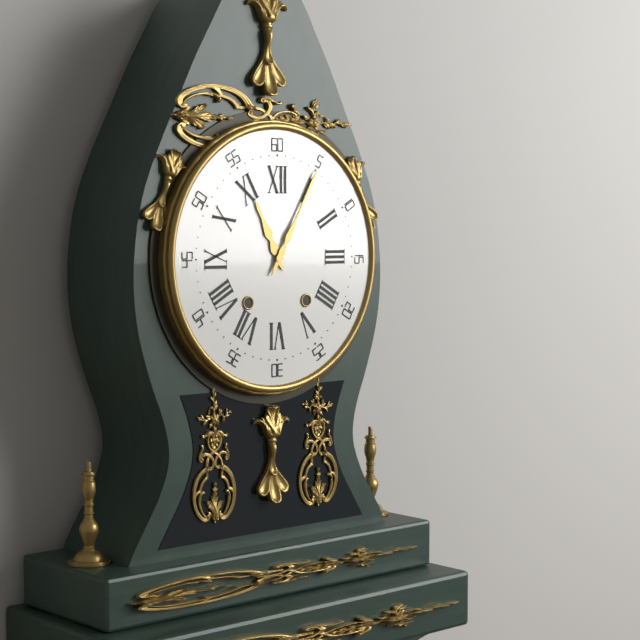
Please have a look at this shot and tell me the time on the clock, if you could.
11:05
